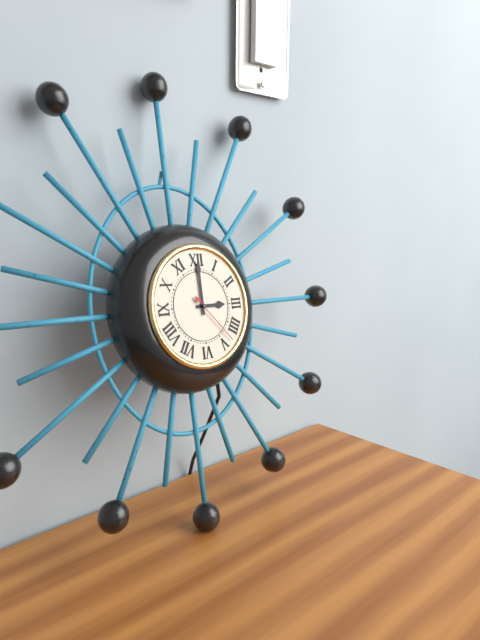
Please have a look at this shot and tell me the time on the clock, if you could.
3:00:23
